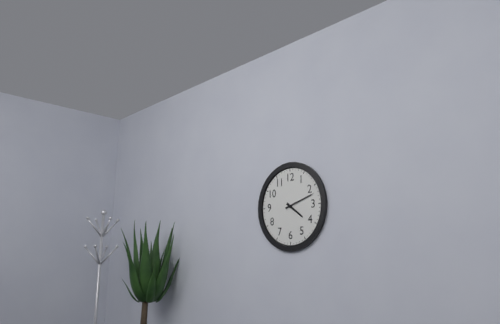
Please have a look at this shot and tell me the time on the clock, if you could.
4:12
